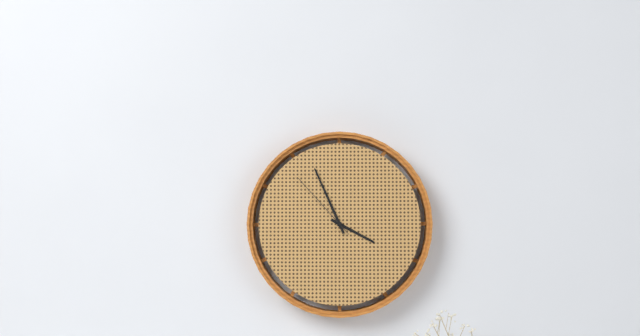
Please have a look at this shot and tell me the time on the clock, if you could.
3:56:53
